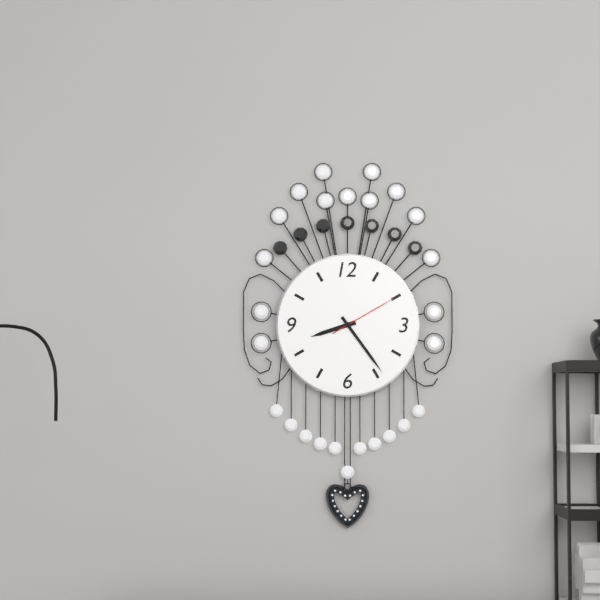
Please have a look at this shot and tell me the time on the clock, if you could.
8:24:10
